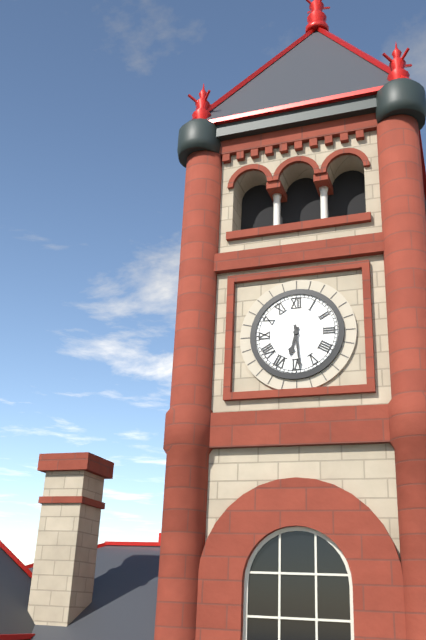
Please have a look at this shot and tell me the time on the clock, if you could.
6:29
